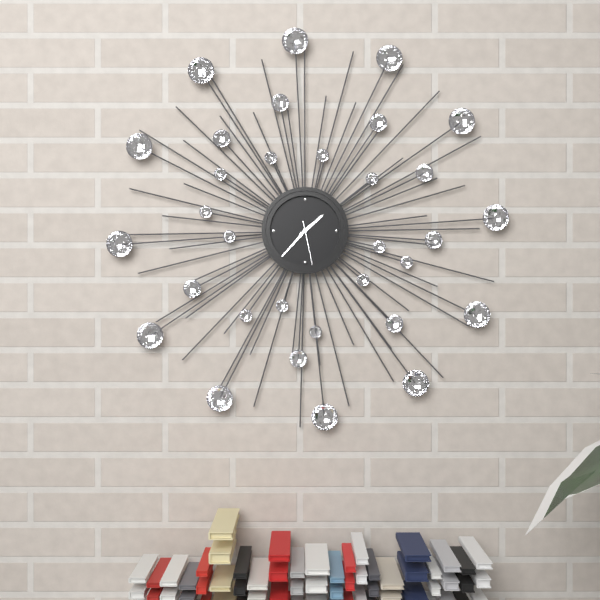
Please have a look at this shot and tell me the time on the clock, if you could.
1:37
